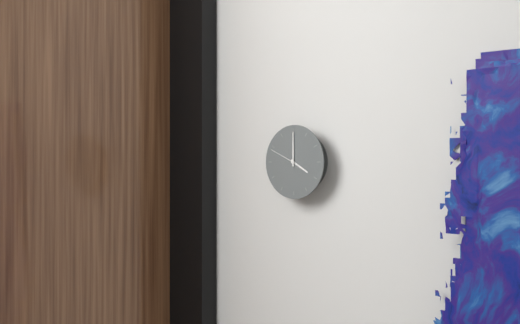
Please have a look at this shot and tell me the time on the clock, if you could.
4:00
